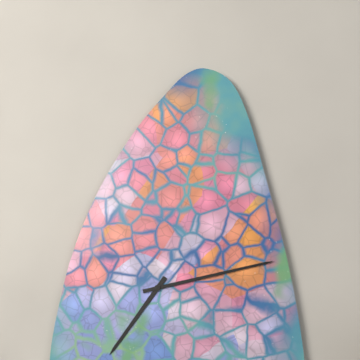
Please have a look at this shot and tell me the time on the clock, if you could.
7:13
